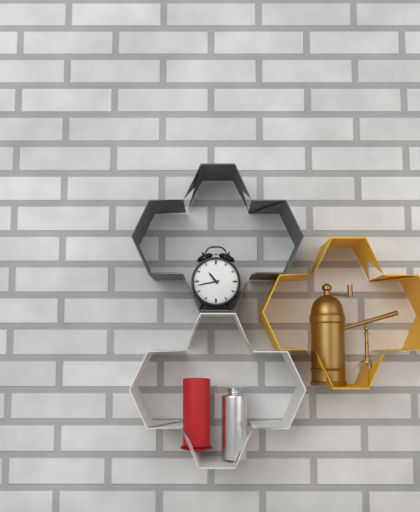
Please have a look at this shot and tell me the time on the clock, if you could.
10:43
